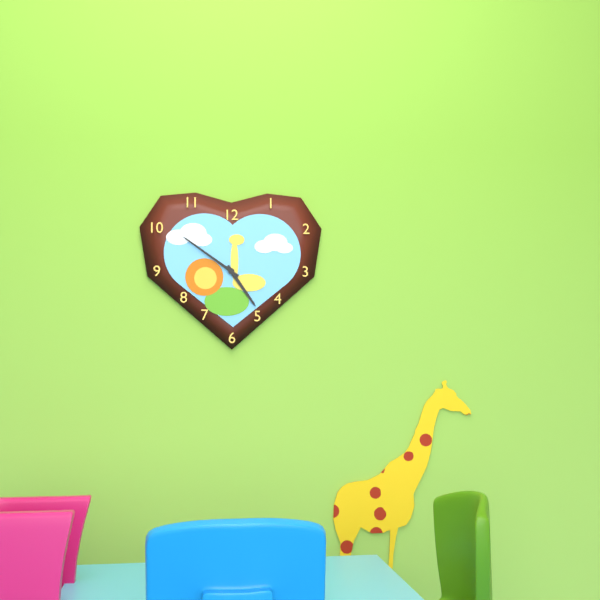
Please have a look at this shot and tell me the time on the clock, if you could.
4:51
